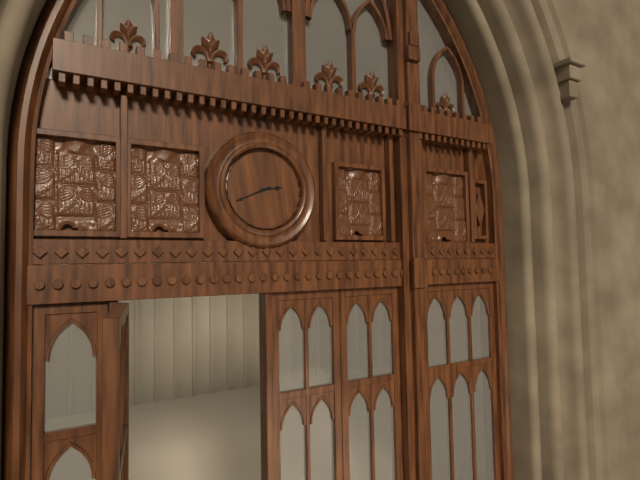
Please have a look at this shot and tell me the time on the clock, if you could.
2:41
